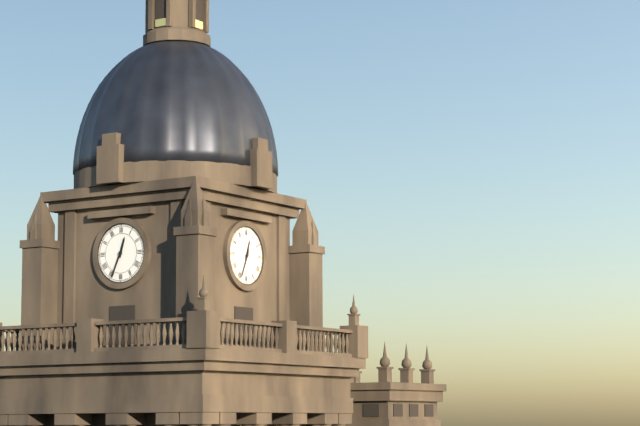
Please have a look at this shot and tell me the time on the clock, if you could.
12:34
